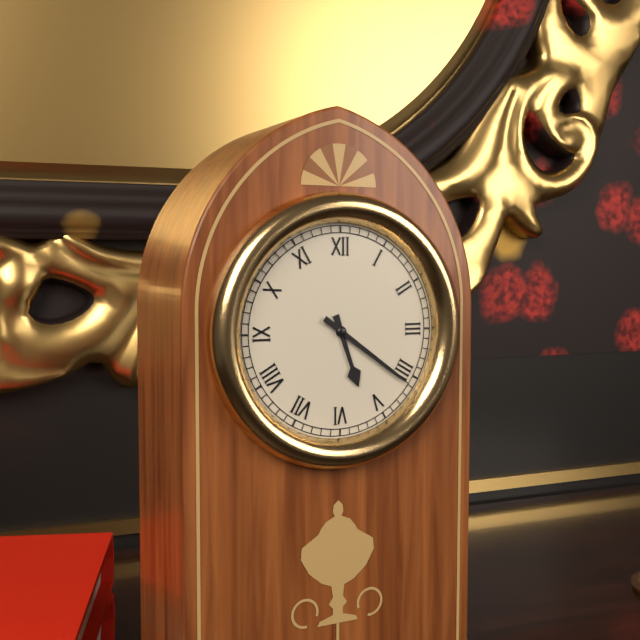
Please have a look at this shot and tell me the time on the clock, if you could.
5:21
